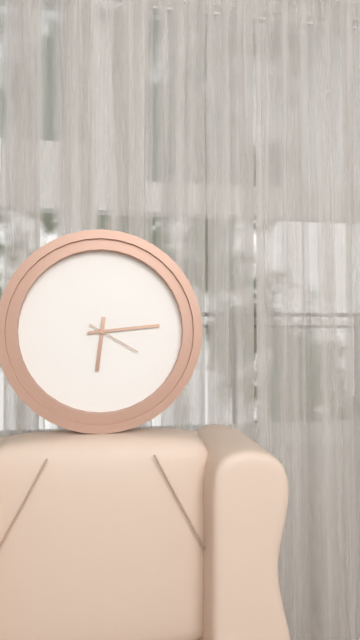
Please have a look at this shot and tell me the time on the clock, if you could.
6:14:20
